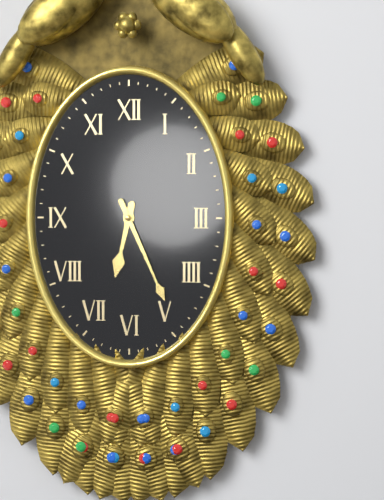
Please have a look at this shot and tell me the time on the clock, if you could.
6:26
